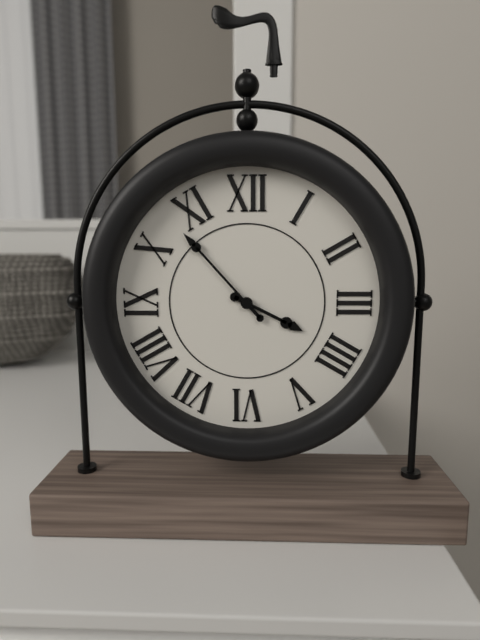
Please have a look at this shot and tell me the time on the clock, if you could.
3:53
